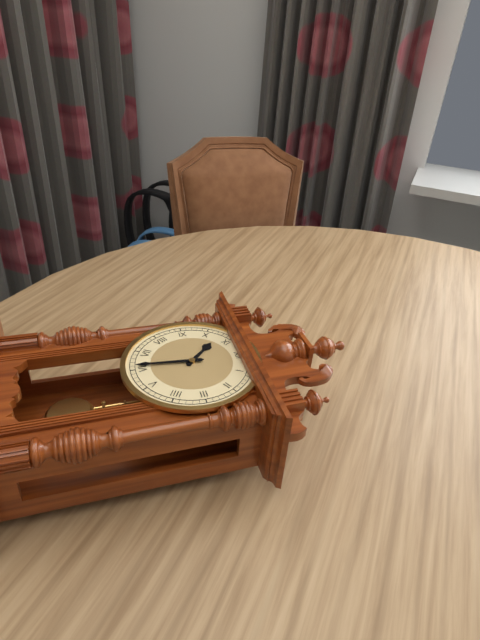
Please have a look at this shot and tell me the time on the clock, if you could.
10:31
